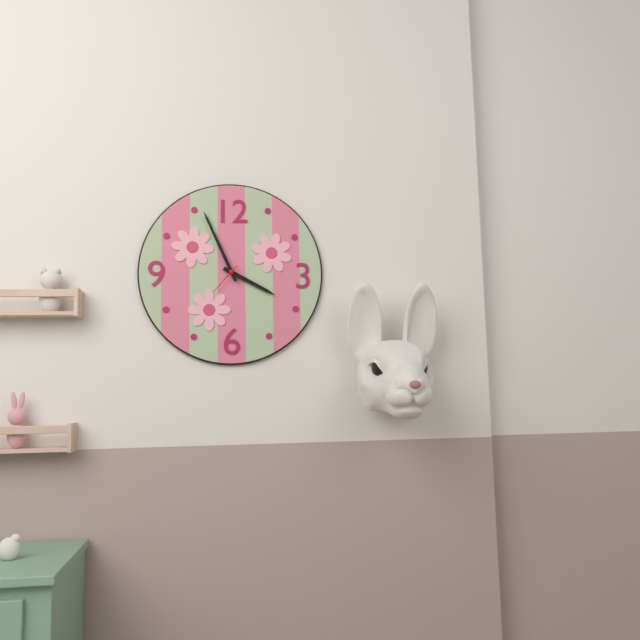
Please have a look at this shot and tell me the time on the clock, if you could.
3:56
